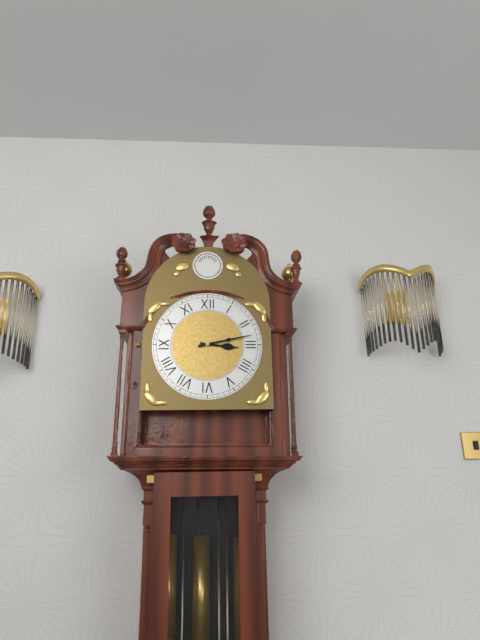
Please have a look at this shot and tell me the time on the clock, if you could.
3:13
